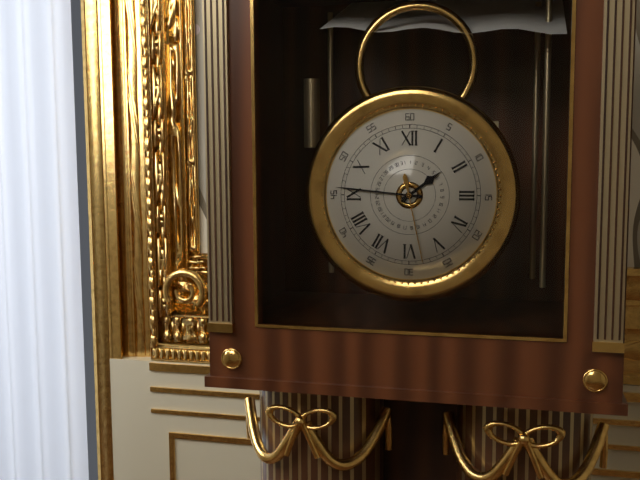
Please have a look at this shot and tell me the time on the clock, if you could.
1:46:28
